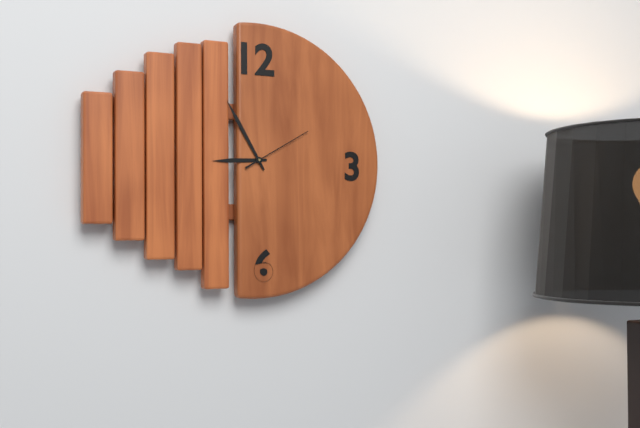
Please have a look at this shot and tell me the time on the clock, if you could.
8:55:10
